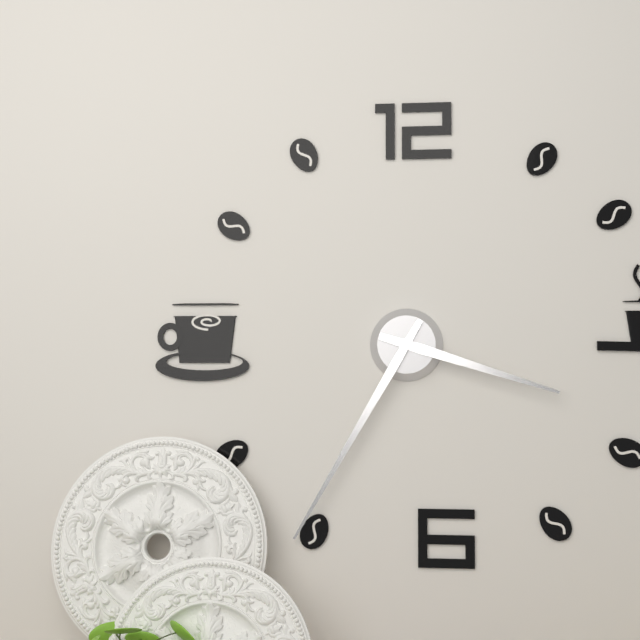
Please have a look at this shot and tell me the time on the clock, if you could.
3:35
